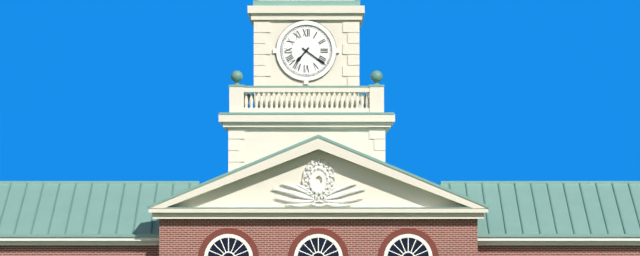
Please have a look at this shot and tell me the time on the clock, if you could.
7:21
